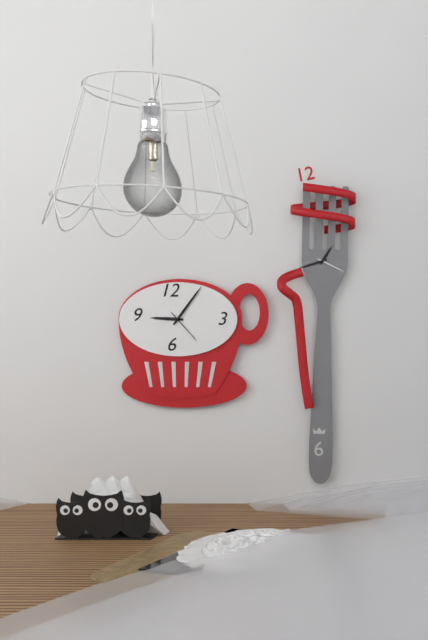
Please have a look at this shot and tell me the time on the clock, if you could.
9:06
